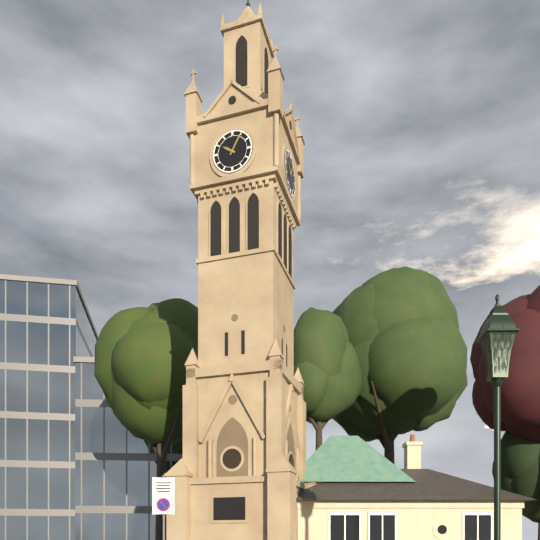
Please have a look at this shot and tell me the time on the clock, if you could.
10:05
